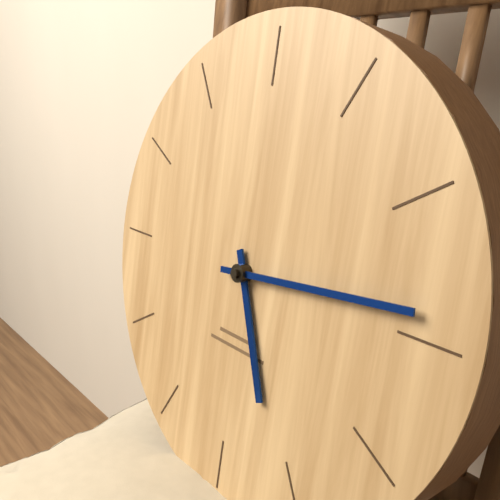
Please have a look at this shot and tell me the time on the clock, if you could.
5:14
